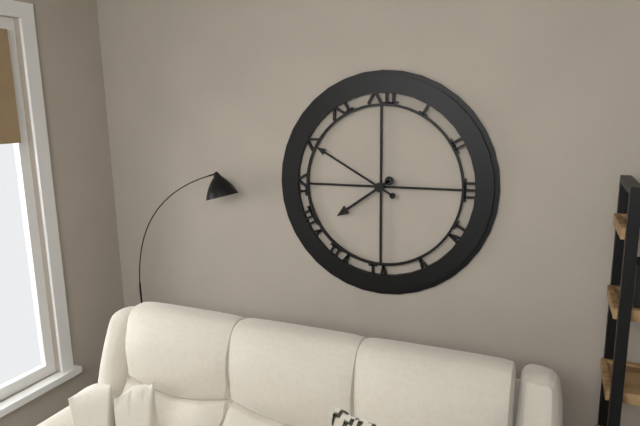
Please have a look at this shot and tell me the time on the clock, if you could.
7:50
